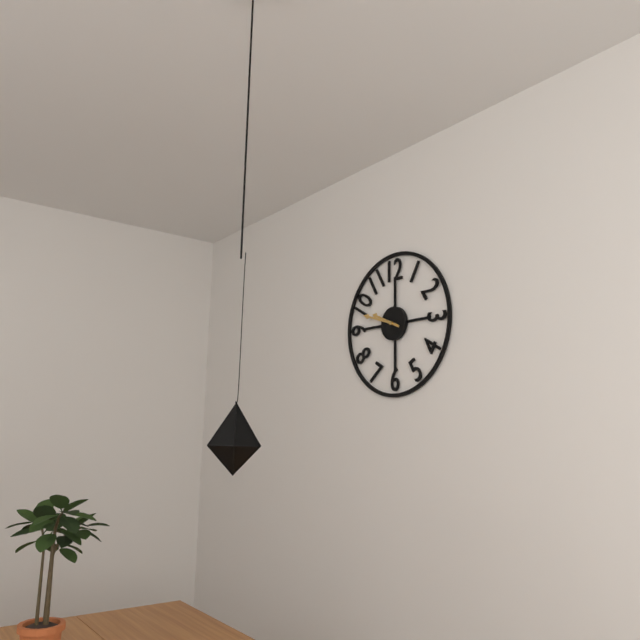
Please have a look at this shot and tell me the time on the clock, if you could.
9:48
